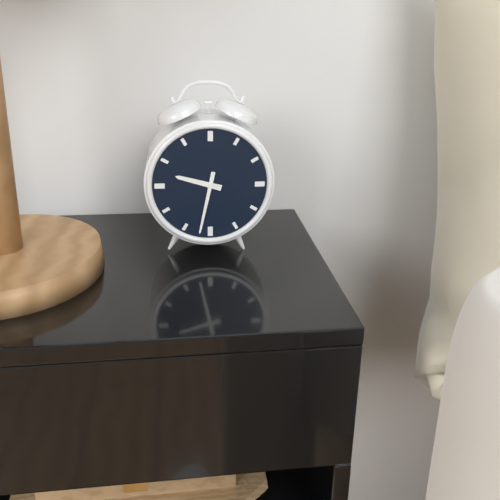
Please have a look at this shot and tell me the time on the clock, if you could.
9:32
